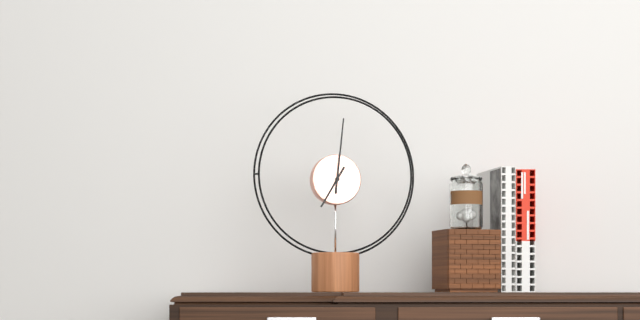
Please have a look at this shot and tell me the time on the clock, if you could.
7:01
